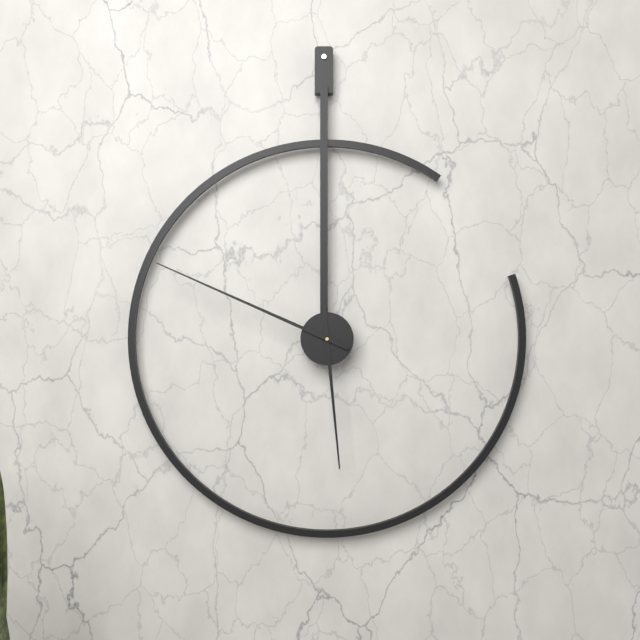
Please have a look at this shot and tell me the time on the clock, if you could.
5:49
